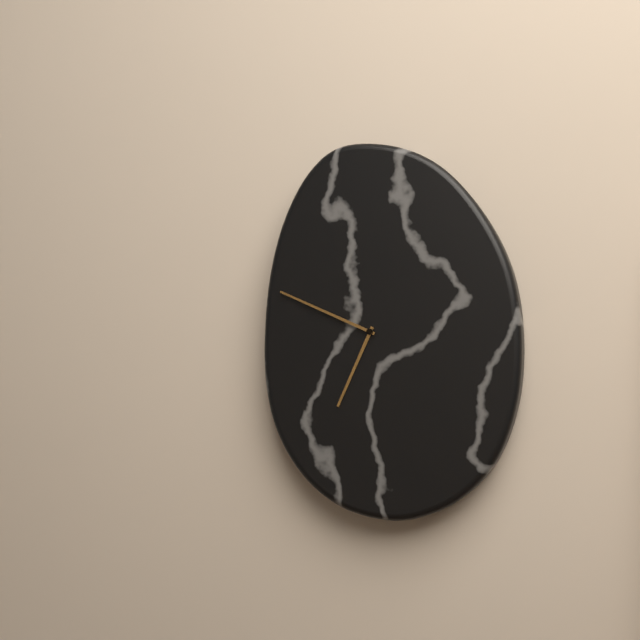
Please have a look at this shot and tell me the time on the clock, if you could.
6:49
